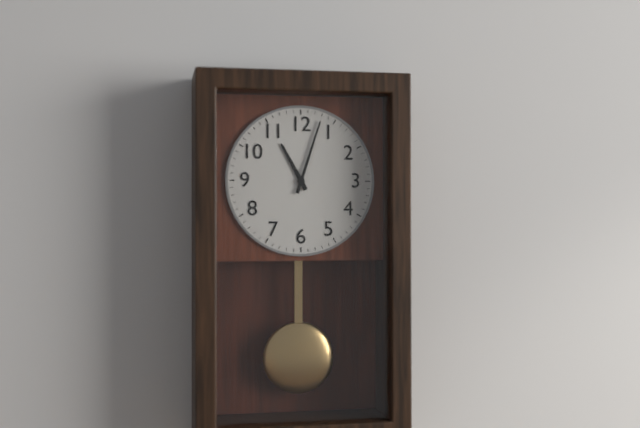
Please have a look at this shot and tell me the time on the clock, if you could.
11:03
